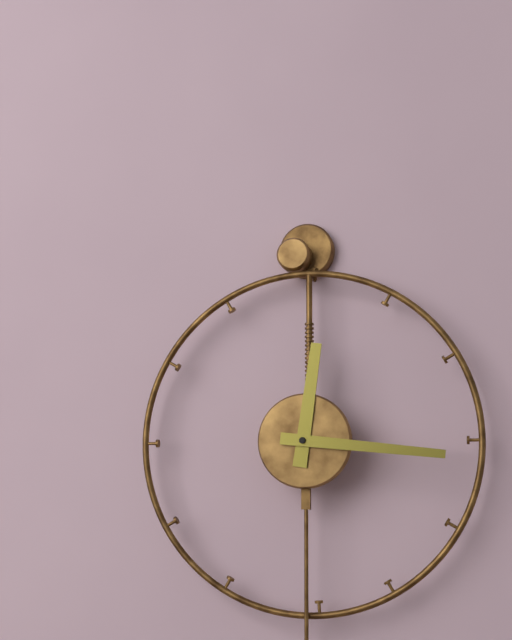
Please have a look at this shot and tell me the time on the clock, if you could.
12:16
